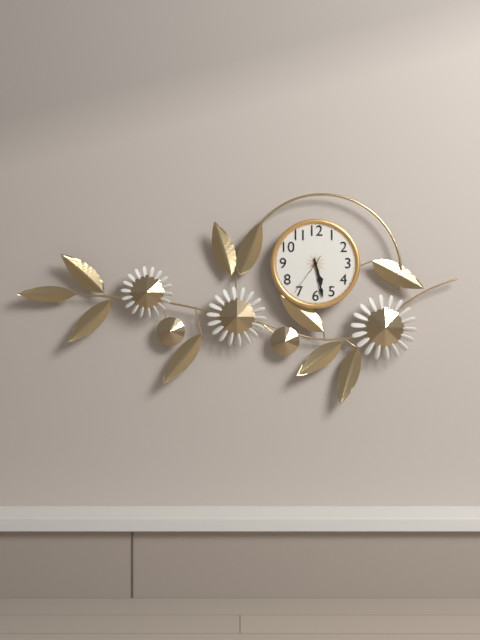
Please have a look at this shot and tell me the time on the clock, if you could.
5:28
